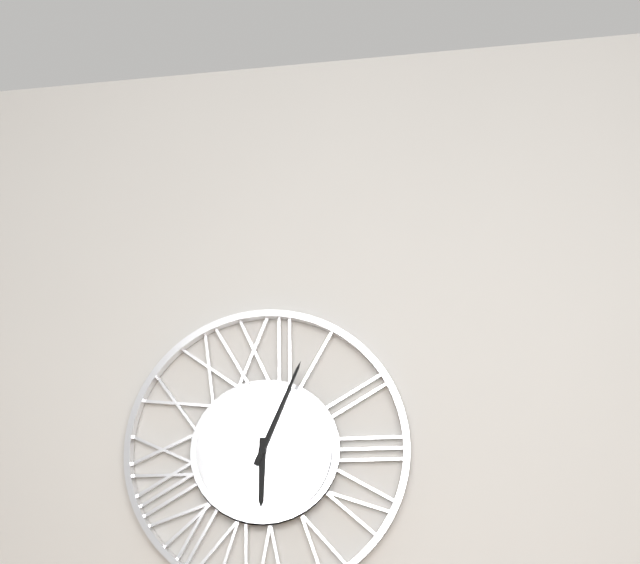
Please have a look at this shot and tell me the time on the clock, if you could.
6:04
